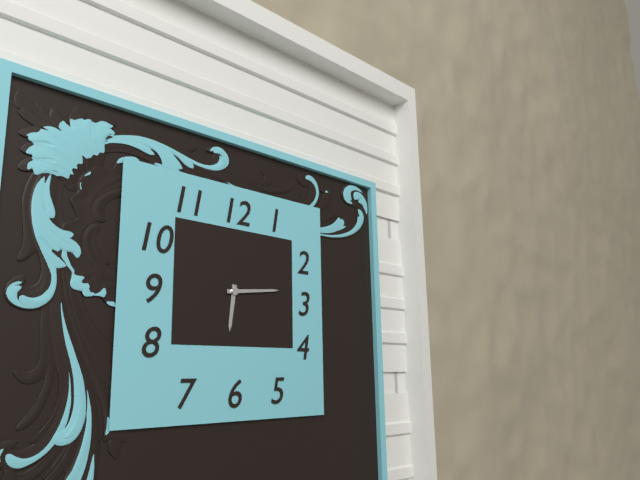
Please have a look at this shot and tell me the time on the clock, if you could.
6:14
